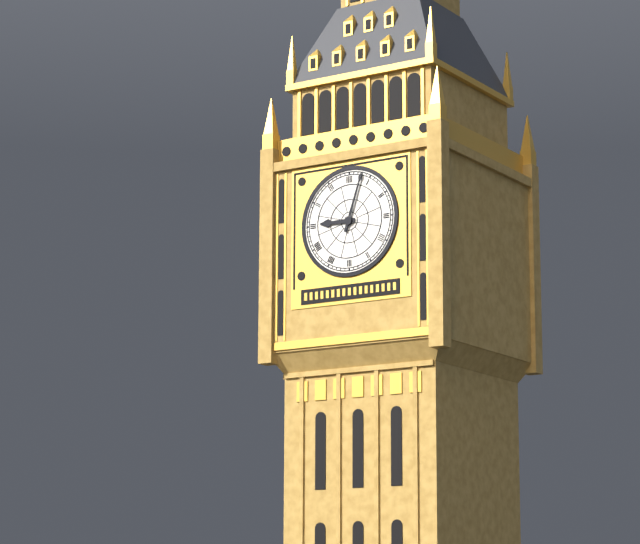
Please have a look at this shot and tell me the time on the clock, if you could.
9:03
